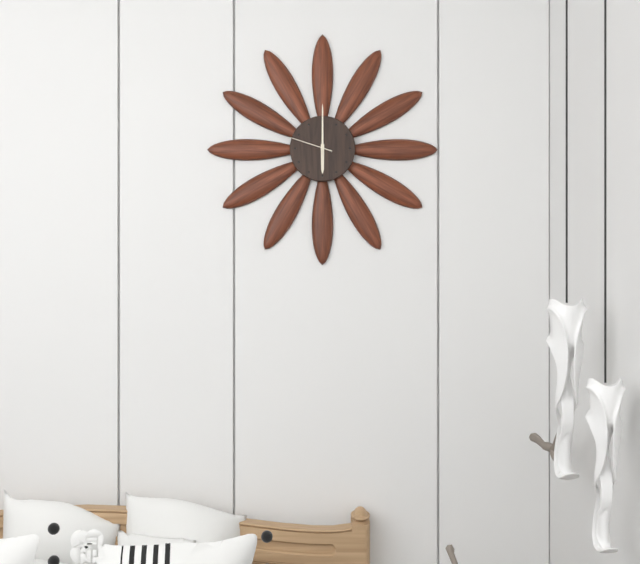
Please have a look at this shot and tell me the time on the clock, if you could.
6:00
